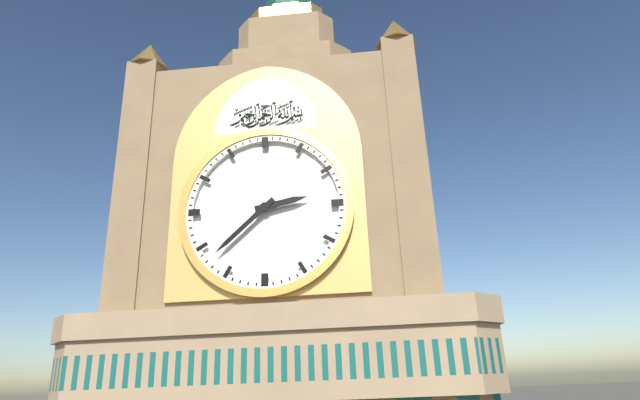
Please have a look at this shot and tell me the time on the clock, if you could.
2:38
